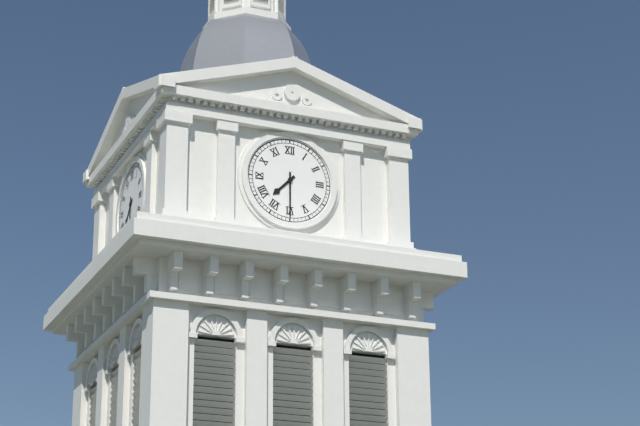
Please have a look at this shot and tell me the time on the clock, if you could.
7:30
